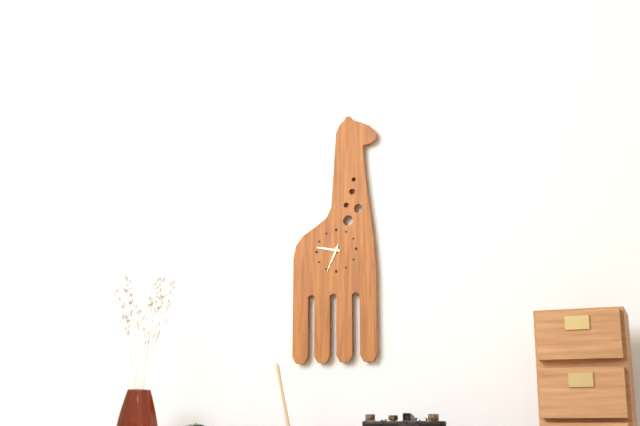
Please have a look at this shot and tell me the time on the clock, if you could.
6:47
